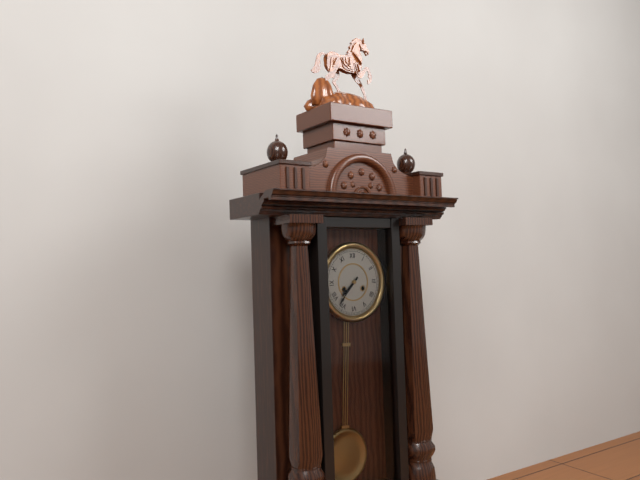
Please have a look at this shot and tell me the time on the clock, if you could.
7:37
